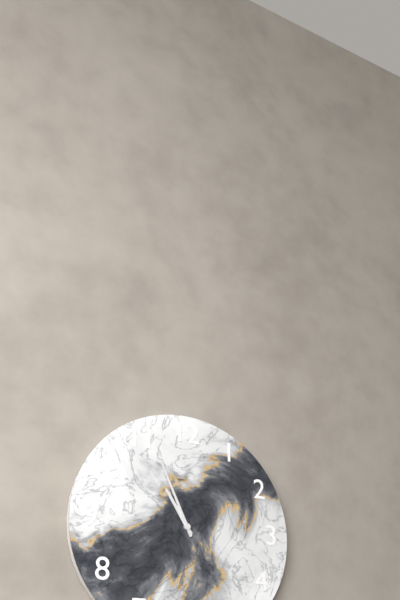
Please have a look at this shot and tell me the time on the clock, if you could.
10:56
